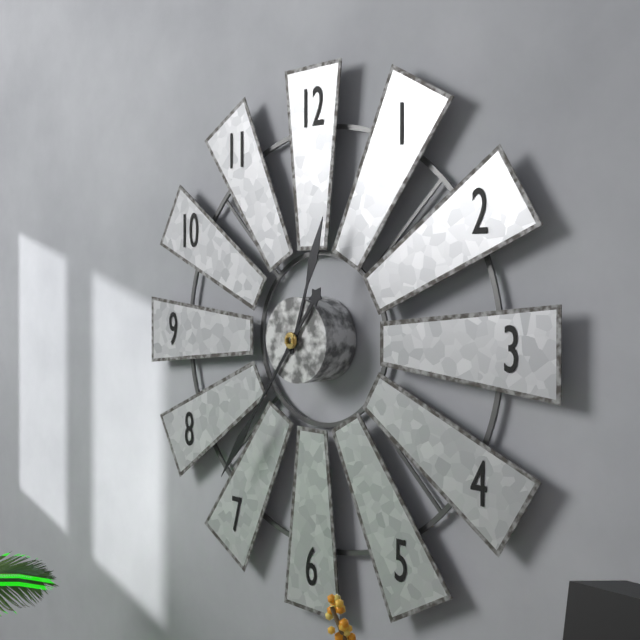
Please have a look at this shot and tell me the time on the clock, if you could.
12:36
